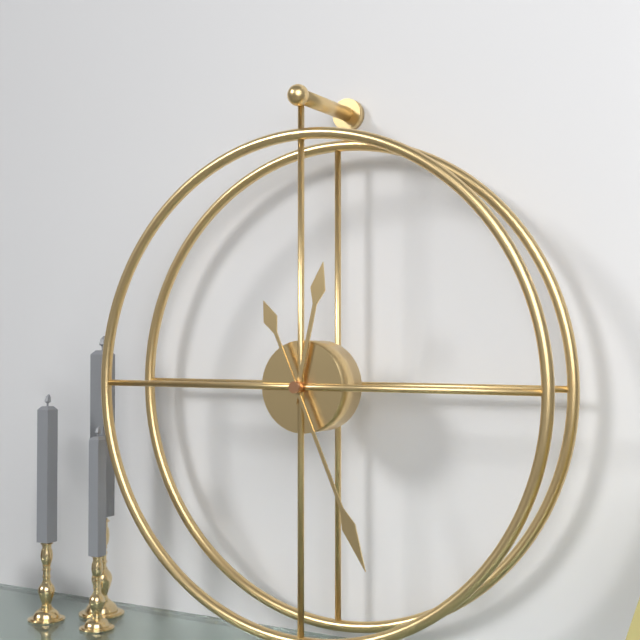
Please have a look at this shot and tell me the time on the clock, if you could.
12:26
